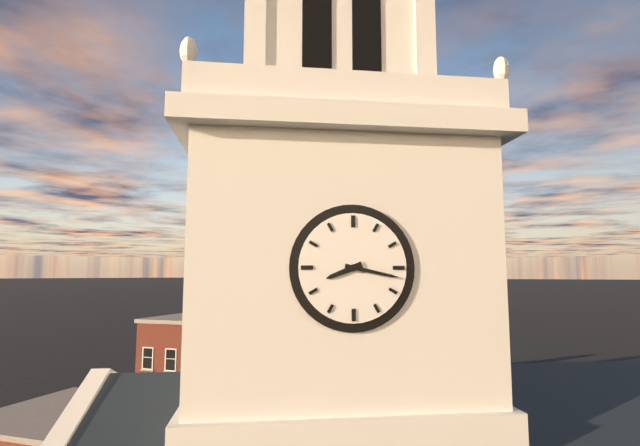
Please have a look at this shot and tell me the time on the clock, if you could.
8:17
